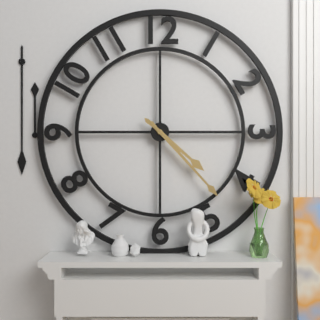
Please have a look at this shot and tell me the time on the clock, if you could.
4:23
